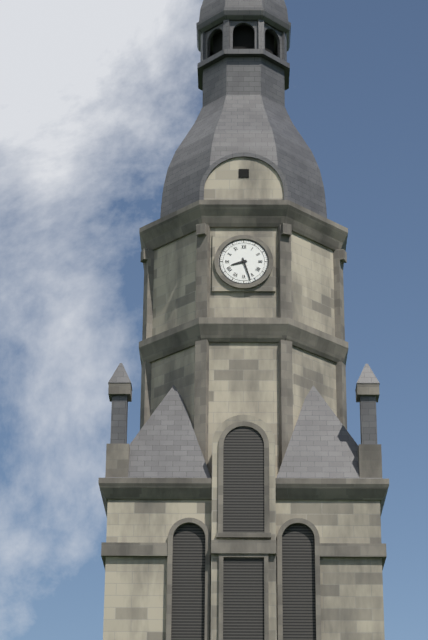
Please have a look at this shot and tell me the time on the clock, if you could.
8:27
